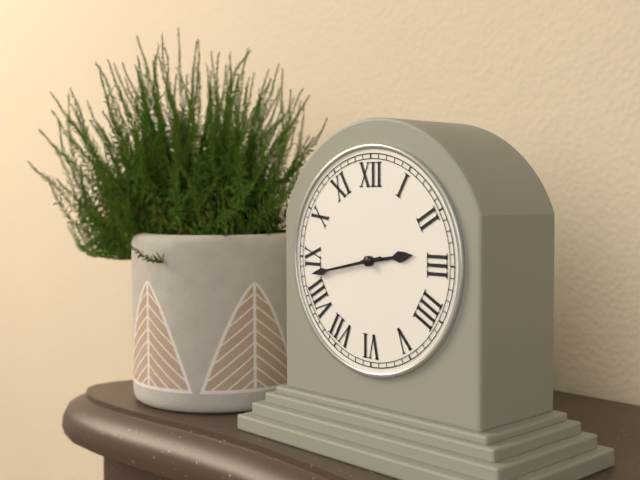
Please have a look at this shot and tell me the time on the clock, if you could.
2:43
